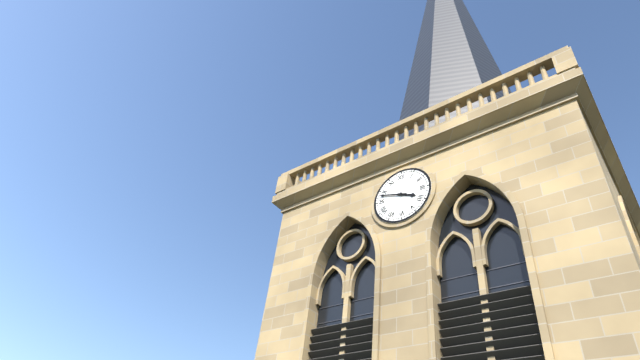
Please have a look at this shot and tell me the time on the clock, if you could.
3:48
